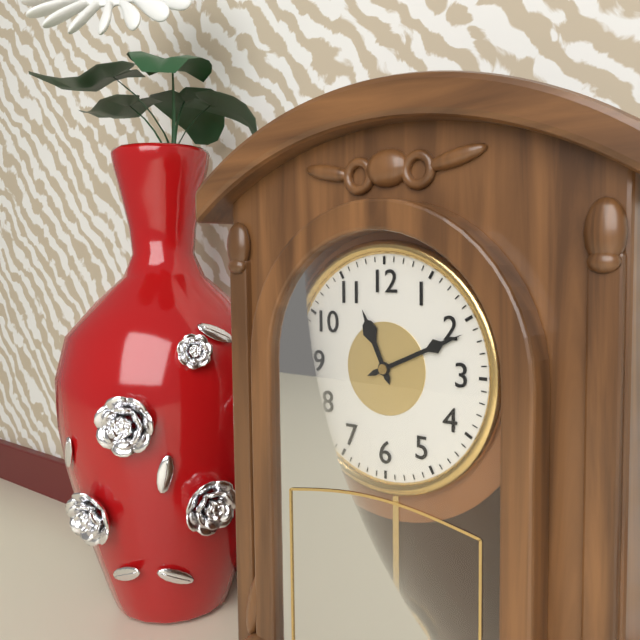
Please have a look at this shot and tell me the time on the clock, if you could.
11:11
